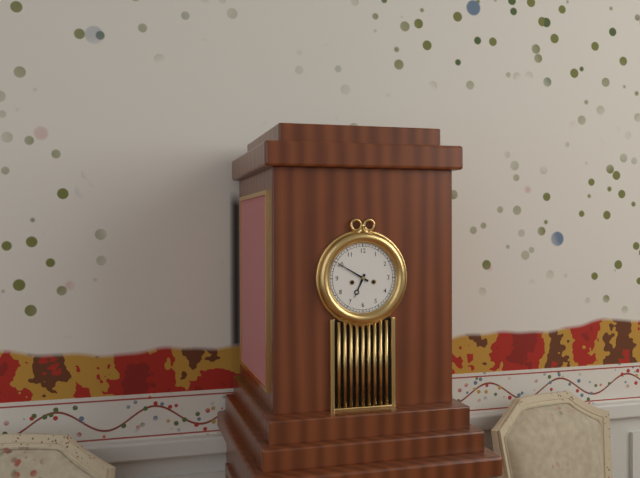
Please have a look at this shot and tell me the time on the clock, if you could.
6:50
